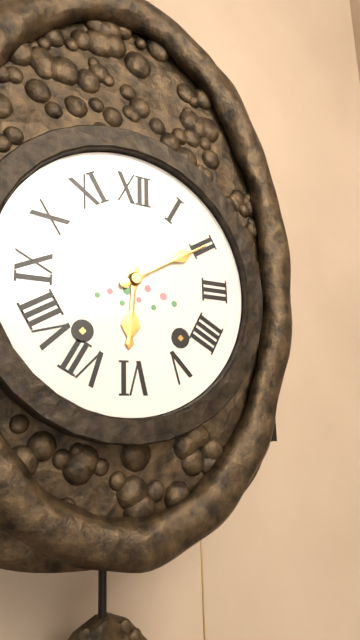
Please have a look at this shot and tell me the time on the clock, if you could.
6:10
